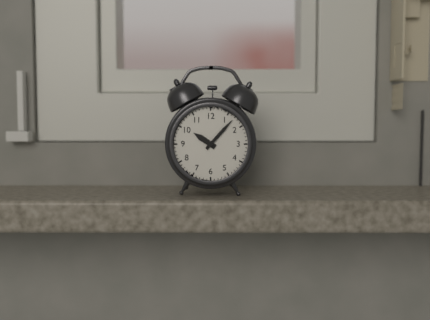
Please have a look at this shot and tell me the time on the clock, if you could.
10:07
